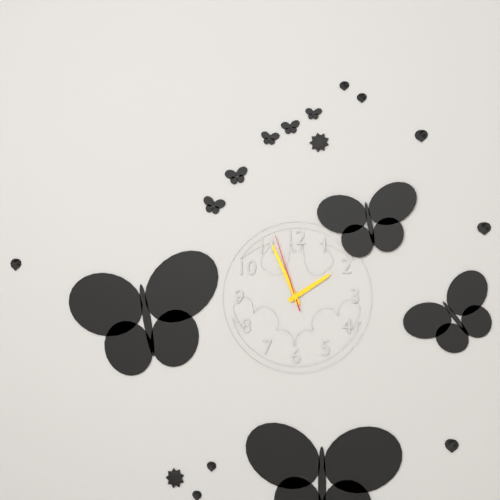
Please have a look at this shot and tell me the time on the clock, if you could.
1:56:57
